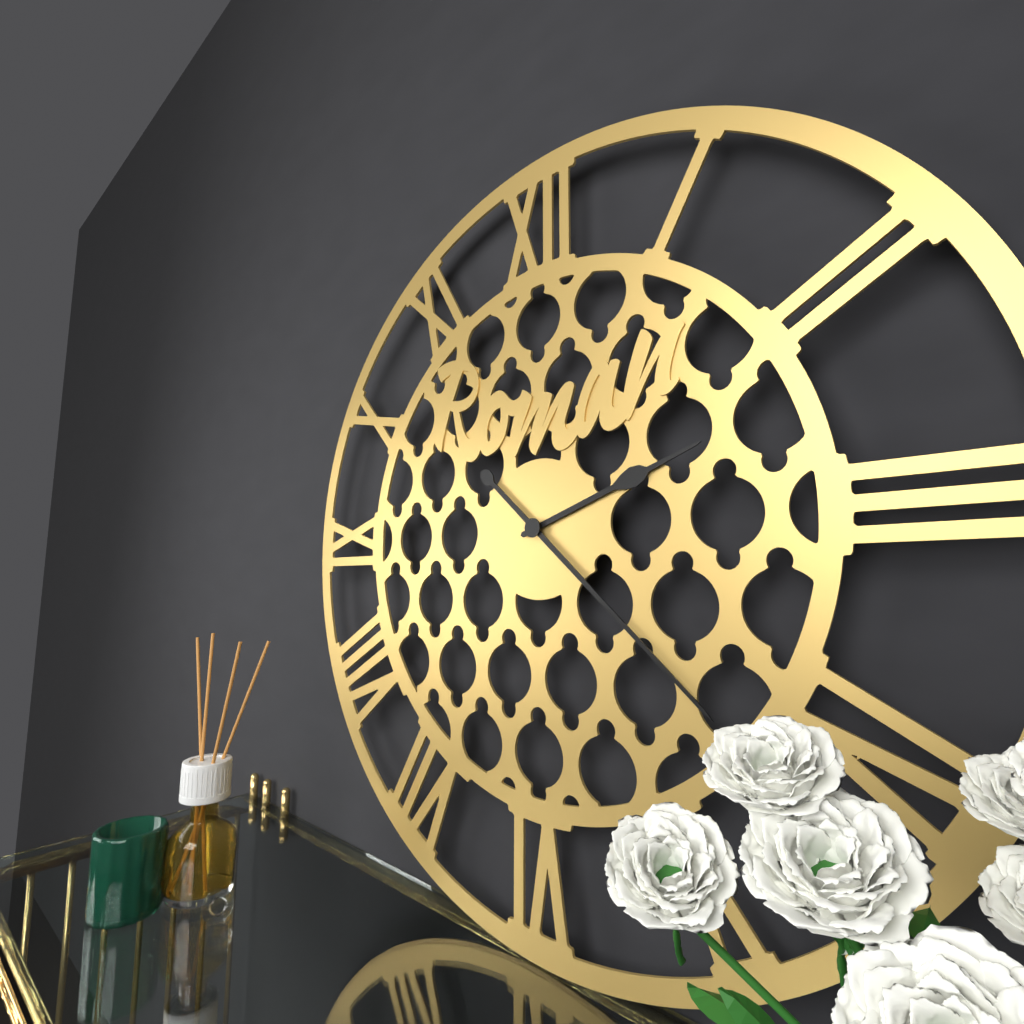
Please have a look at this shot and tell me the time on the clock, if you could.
2:22
